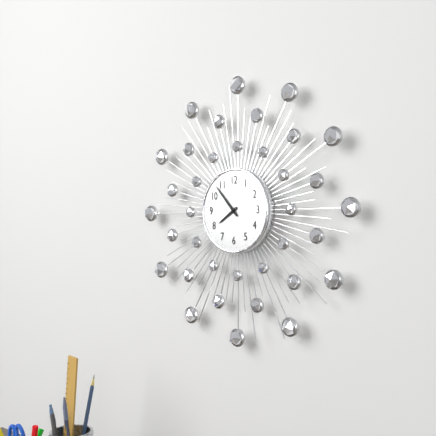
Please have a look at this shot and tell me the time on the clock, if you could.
7:53
